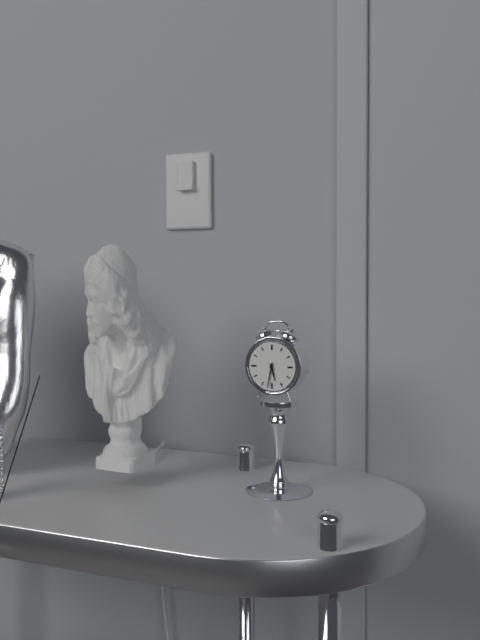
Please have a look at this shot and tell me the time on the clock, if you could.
5:32
